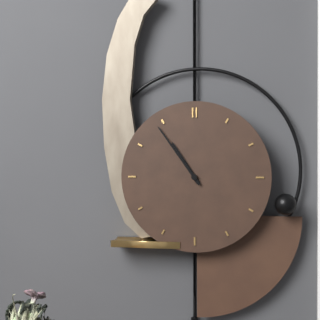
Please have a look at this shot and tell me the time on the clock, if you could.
10:54
